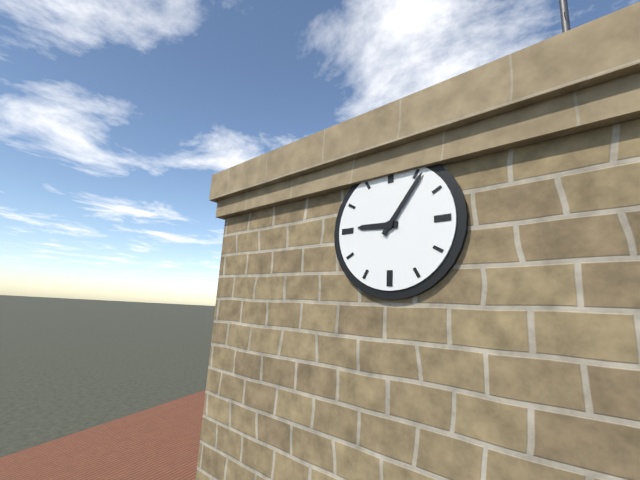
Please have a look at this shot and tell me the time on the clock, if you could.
9:06
